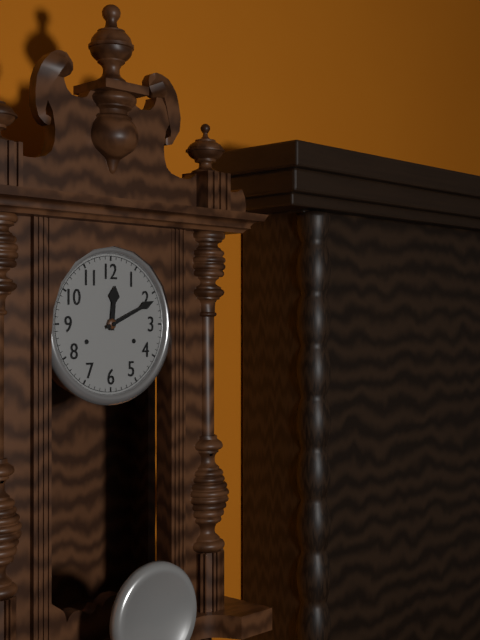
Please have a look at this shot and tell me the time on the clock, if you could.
12:11
